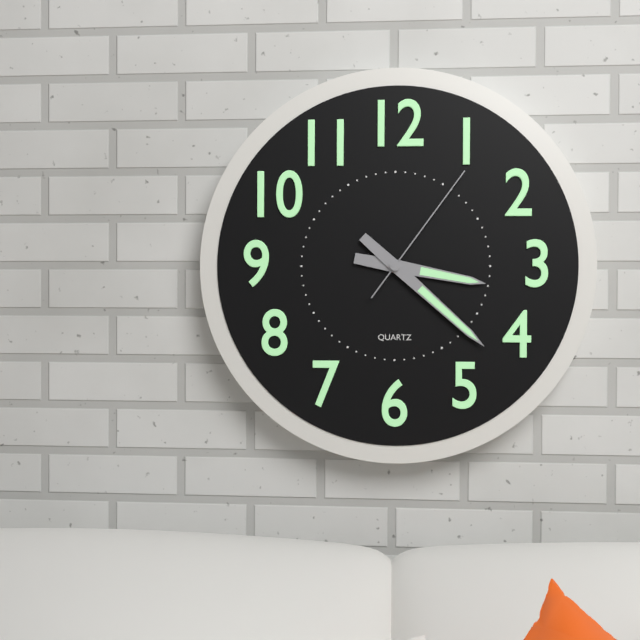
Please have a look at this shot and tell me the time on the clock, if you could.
3:22:06
